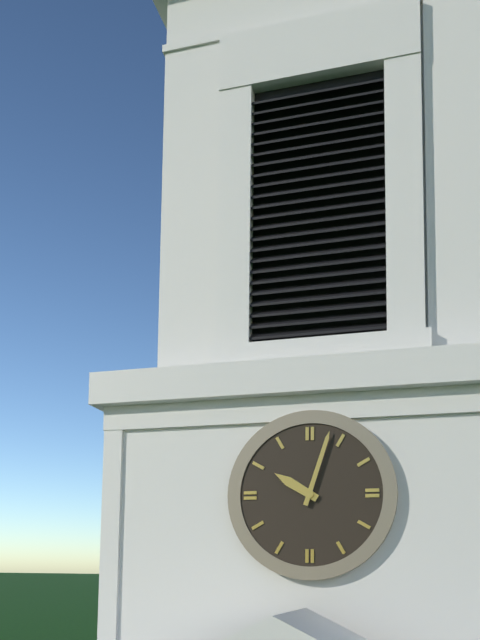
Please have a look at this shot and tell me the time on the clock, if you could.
10:03
